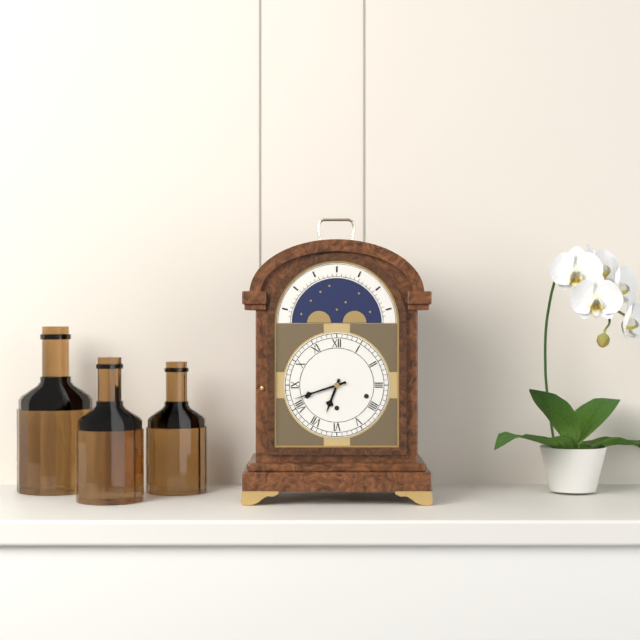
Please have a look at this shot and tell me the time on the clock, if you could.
6:42
